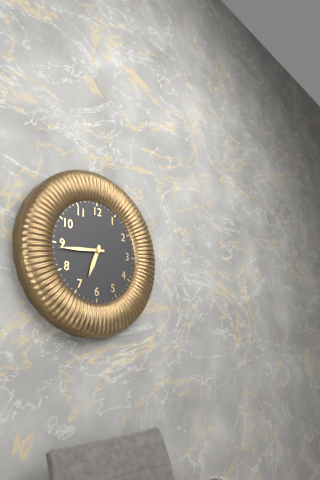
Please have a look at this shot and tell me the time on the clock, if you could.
6:44
